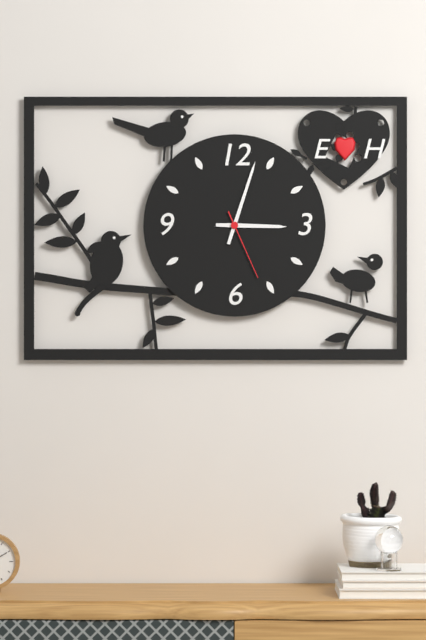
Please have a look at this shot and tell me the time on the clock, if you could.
3:03:26
